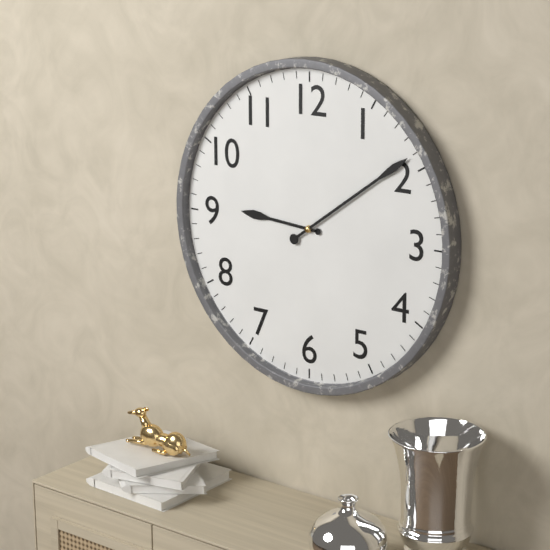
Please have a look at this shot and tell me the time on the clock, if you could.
9:09
